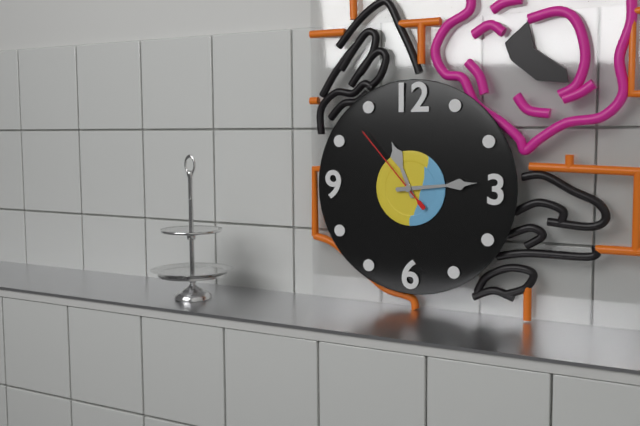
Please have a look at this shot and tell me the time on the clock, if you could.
11:14:53
